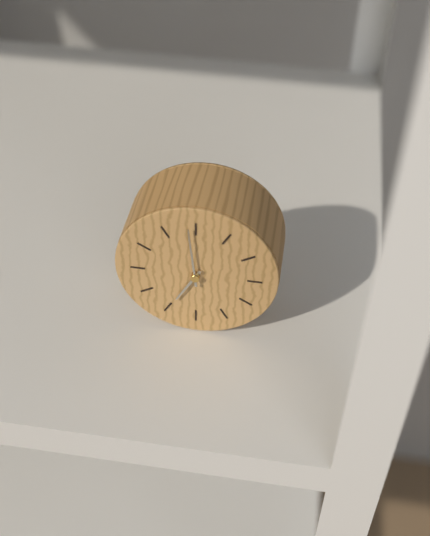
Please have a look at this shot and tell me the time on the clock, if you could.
6:59
